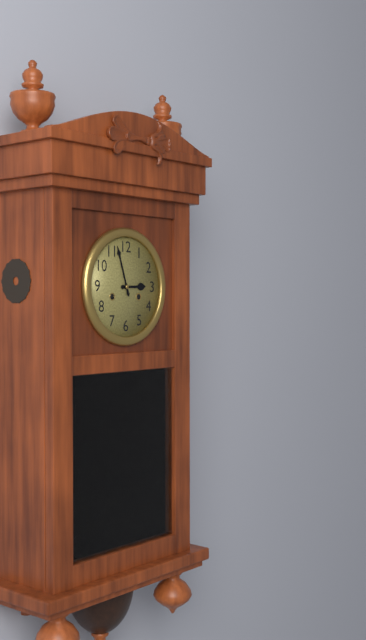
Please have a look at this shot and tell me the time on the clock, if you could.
2:57
